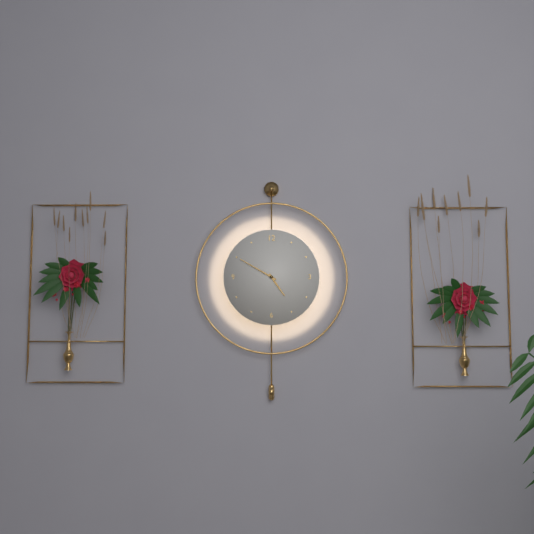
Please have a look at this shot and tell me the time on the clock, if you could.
4:50
